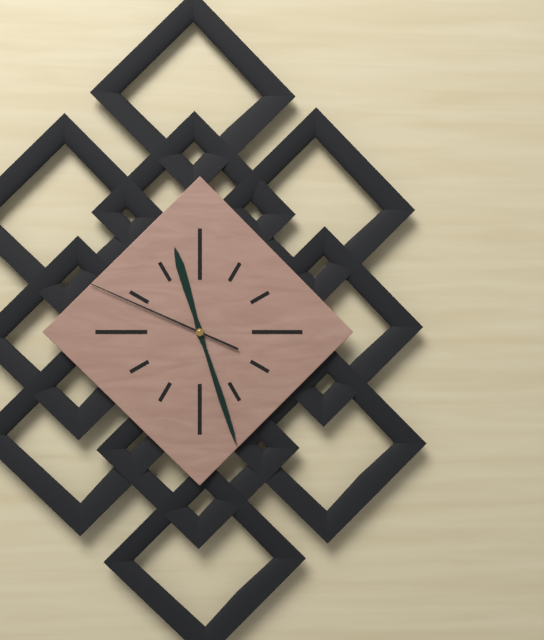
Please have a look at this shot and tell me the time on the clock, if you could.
11:27:49
